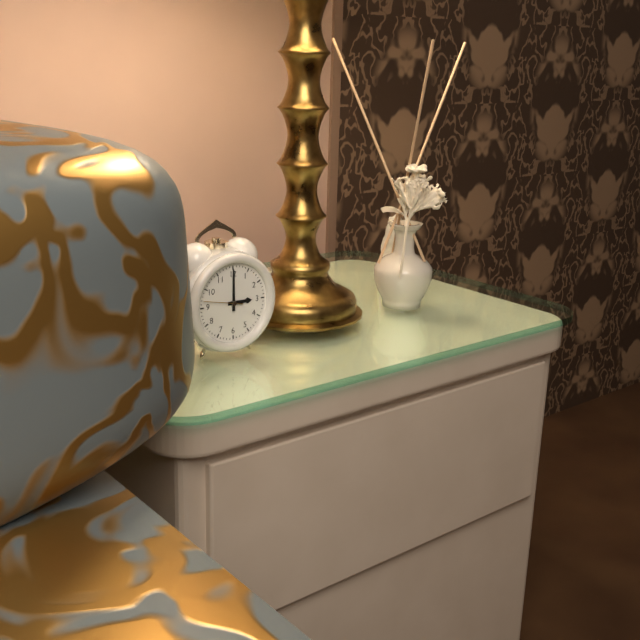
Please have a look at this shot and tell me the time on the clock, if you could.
3:00
